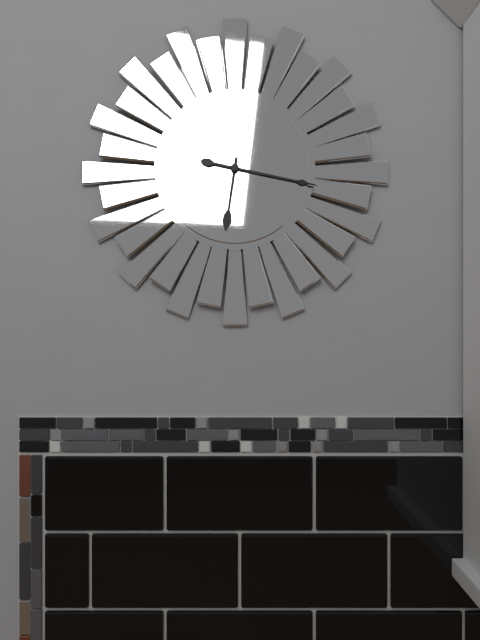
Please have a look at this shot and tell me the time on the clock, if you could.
6:17
